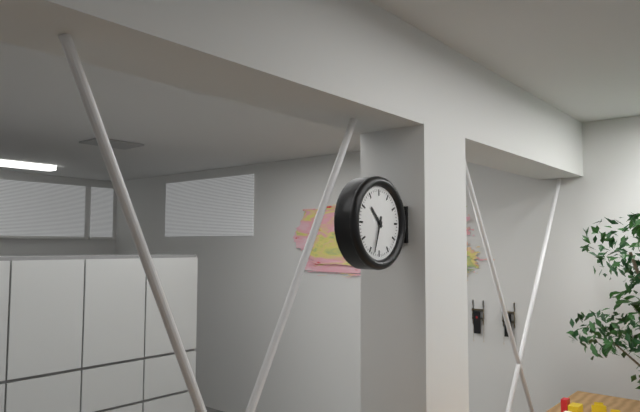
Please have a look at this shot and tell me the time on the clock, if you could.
10:33
